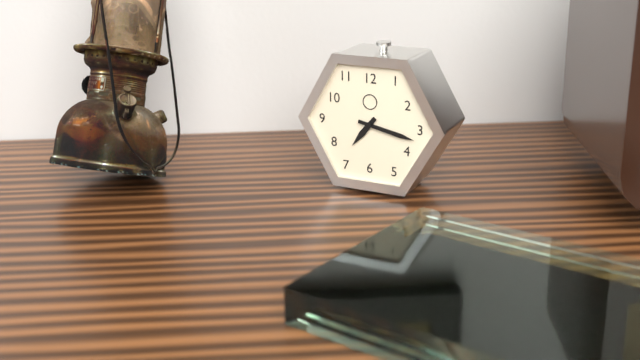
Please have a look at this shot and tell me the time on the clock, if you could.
7:17
